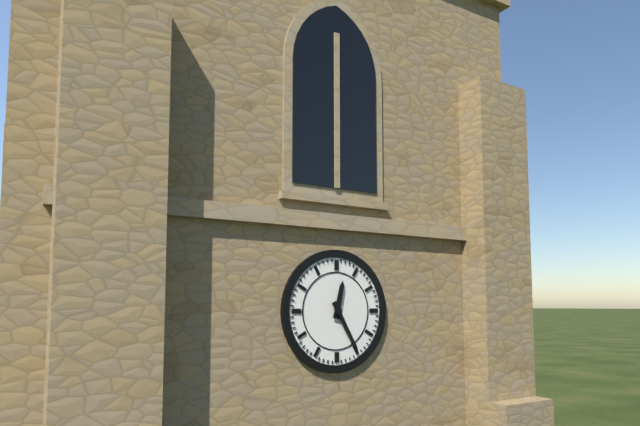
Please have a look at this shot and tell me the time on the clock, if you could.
12:25
